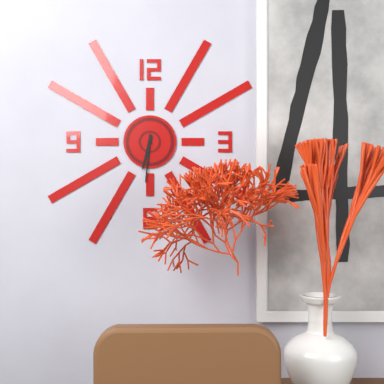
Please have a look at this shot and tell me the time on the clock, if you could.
6:31
